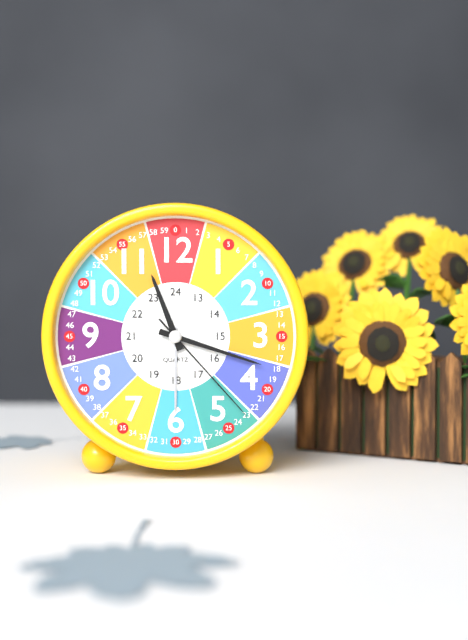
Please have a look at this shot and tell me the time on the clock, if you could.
11:18:23
